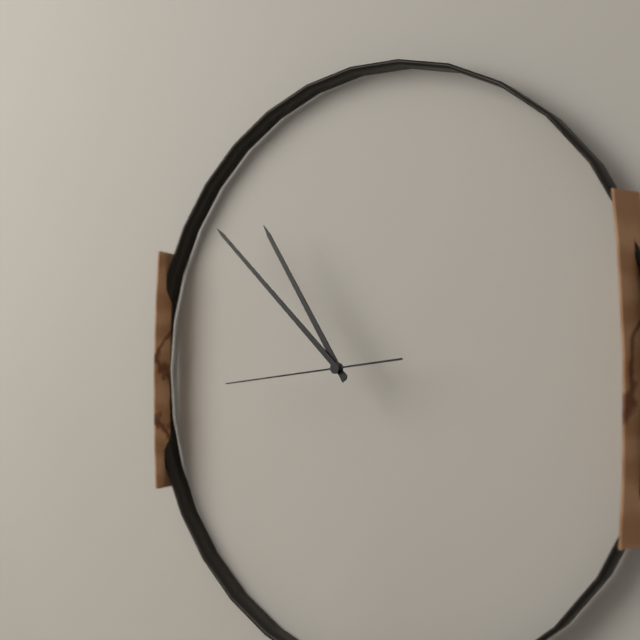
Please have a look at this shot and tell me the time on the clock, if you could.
10:52:44
